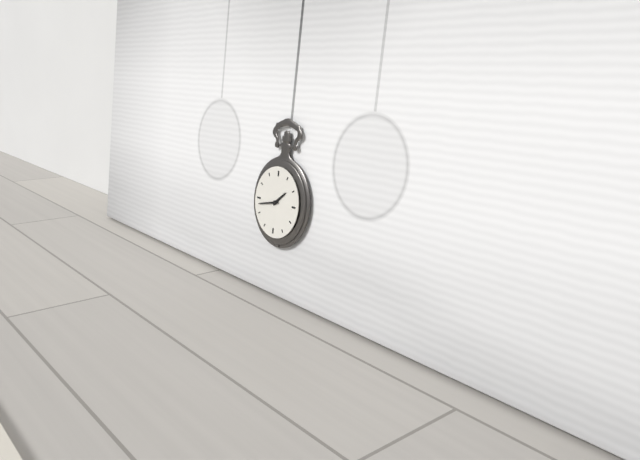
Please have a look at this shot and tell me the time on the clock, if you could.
1:43
